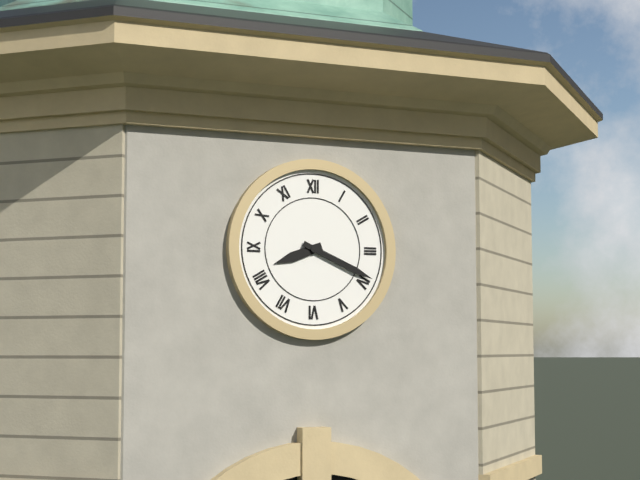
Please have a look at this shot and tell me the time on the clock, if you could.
8:19
